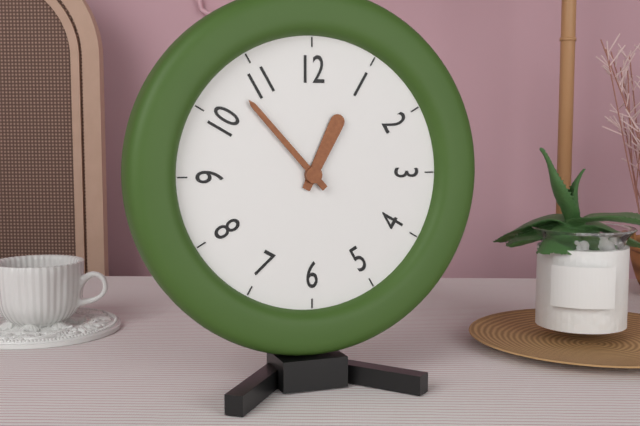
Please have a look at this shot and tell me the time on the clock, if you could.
12:53
